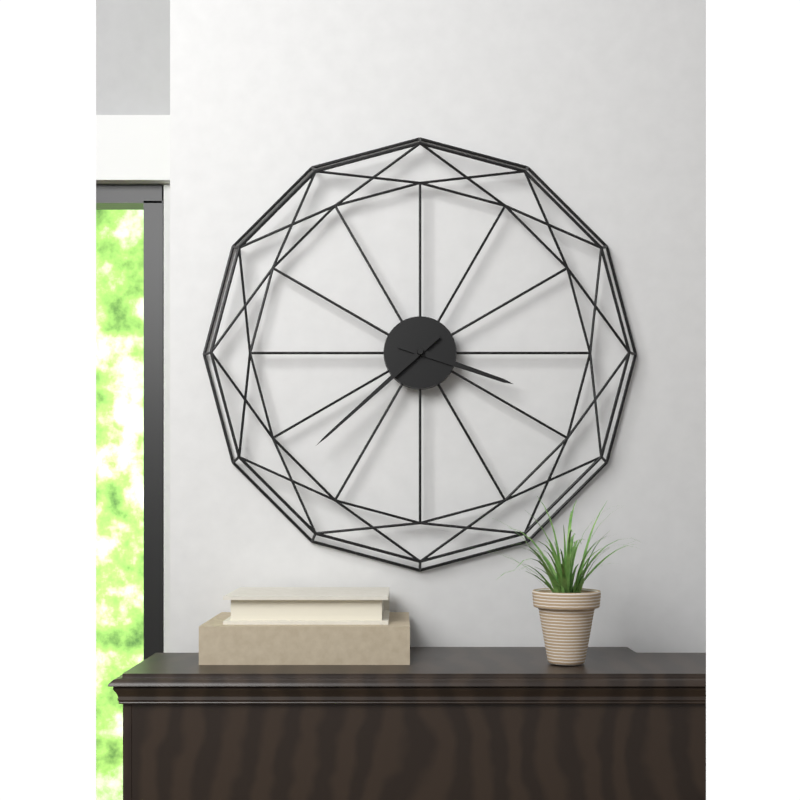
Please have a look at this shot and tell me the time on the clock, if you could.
3:38
